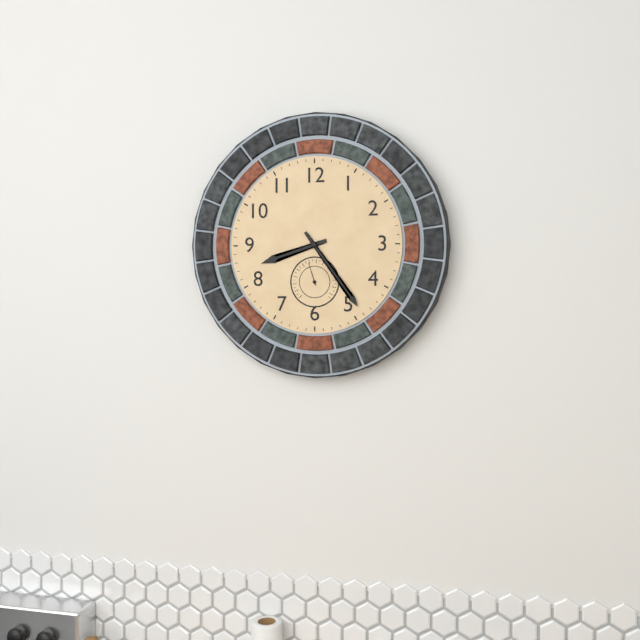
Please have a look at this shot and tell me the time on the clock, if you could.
8:24
